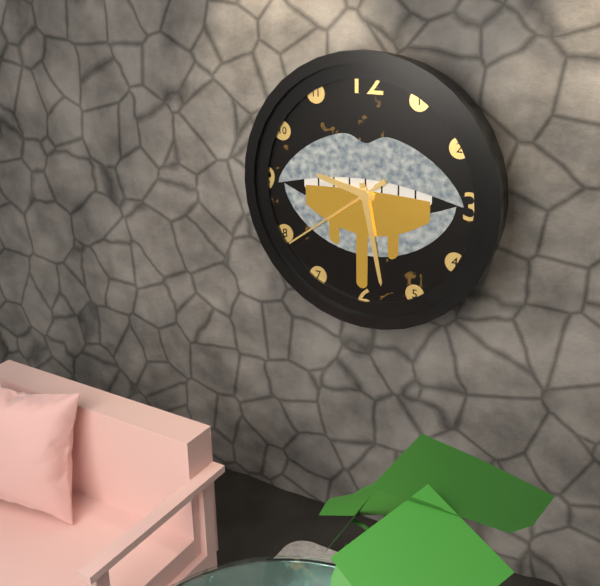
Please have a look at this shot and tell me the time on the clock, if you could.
9:28:39
